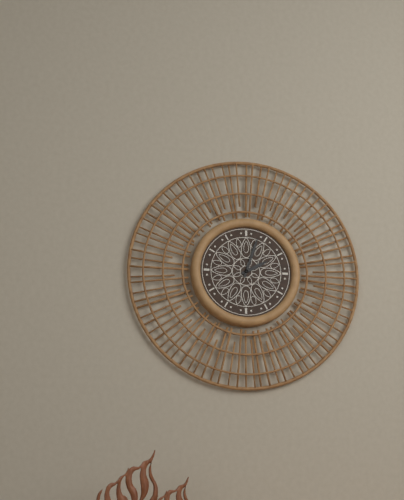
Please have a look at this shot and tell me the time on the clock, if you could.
2:03
